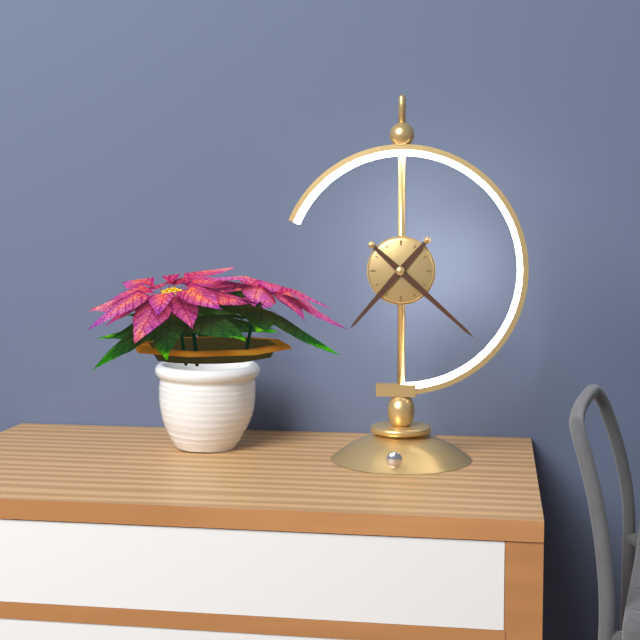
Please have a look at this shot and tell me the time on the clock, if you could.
7:22
